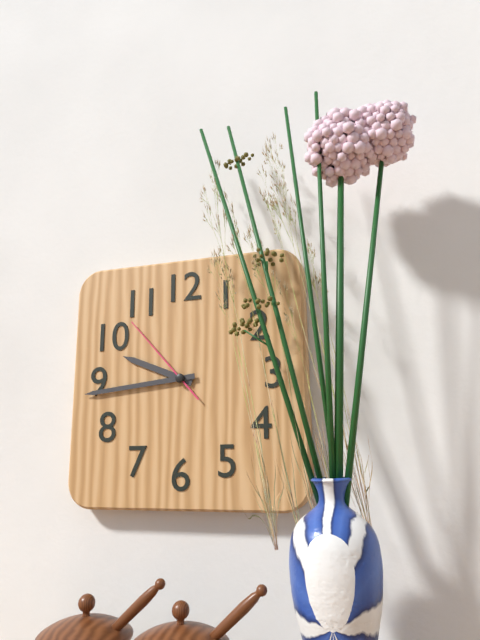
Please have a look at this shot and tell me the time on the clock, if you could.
9:44:53
